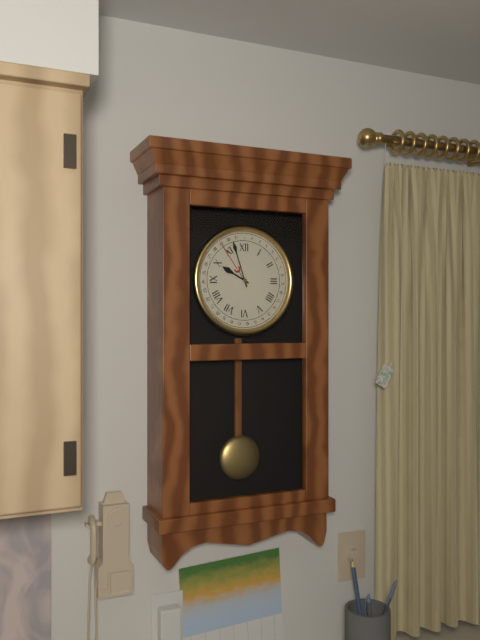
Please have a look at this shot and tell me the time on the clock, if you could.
9:57
